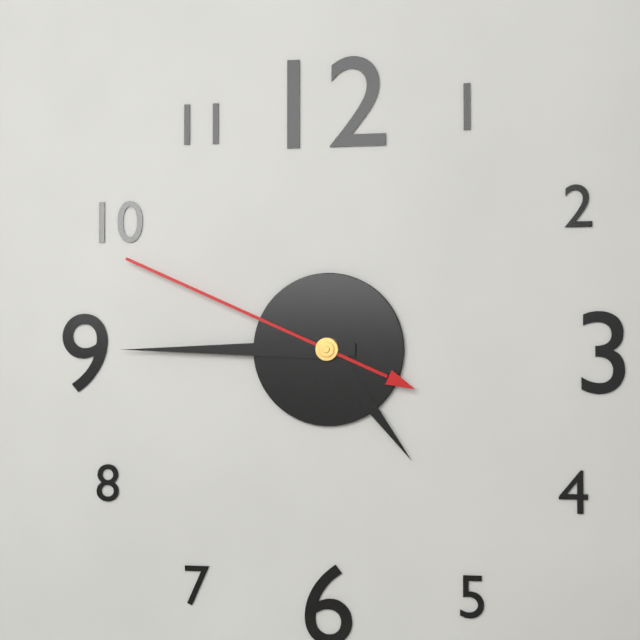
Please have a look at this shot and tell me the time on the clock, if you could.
4:45:49
